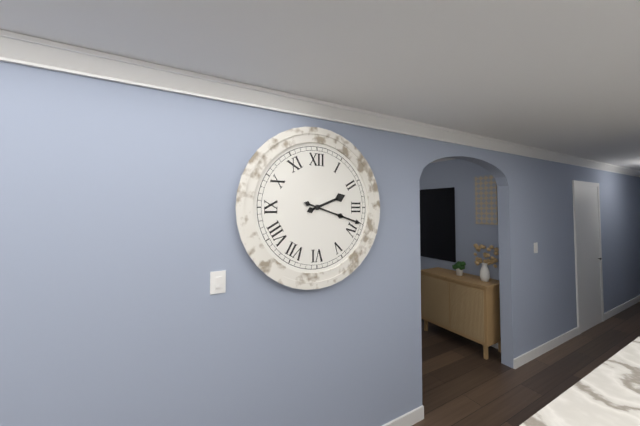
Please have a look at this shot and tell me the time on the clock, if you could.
2:18
